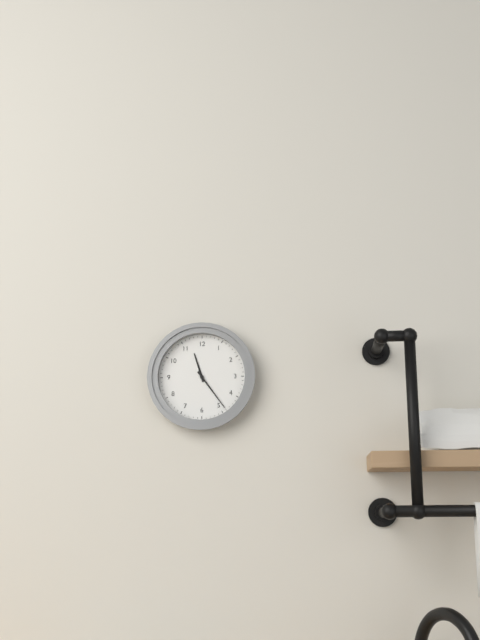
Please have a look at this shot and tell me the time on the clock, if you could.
11:24
